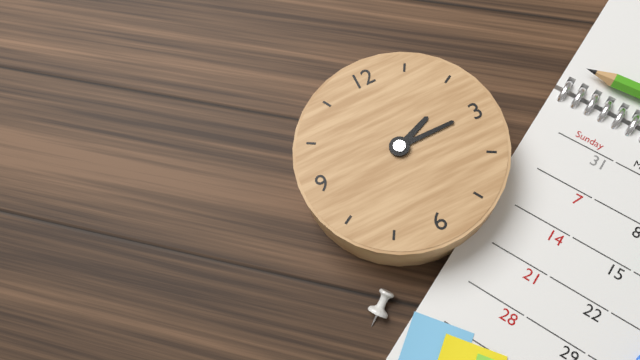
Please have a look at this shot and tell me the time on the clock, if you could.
2:15
